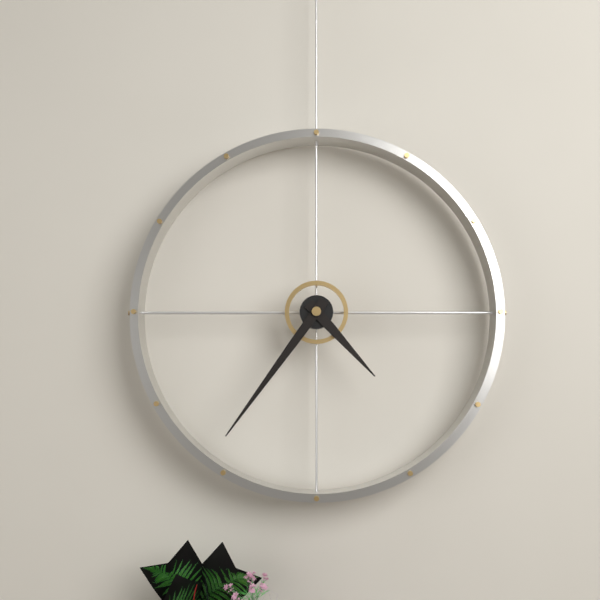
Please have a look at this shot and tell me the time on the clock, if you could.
4:36
